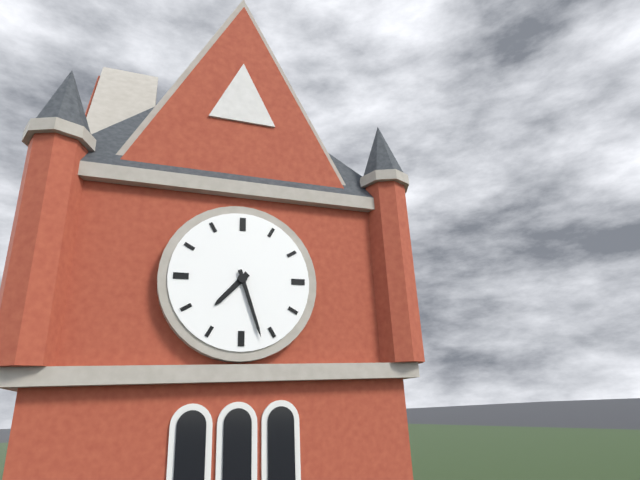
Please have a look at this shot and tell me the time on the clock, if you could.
7:27
